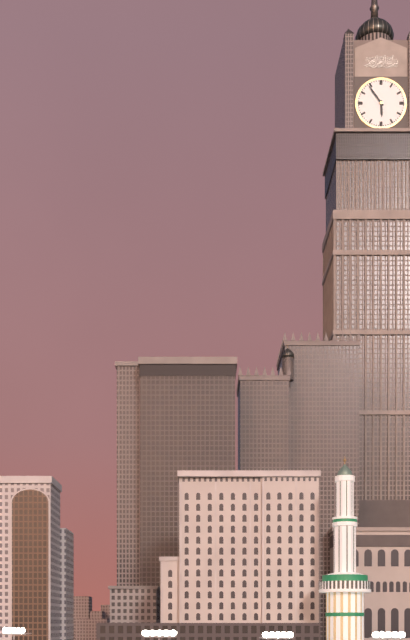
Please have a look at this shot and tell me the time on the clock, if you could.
5:54
